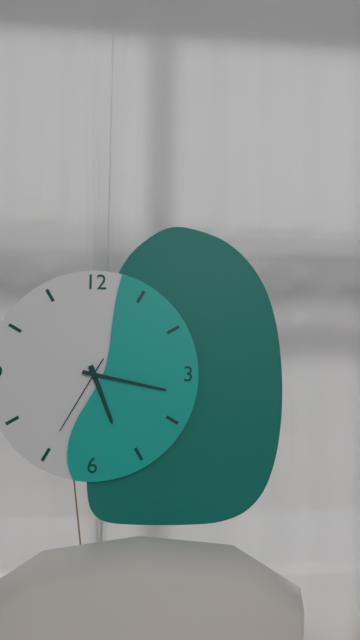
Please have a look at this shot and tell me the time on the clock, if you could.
5:17:35
